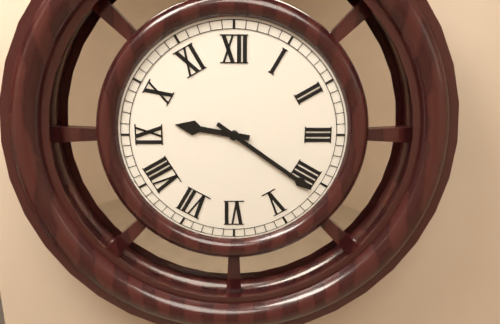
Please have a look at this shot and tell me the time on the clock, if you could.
9:21
